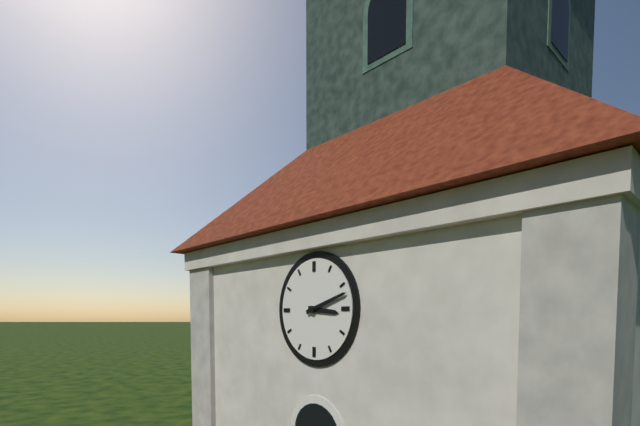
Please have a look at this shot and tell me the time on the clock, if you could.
3:12
